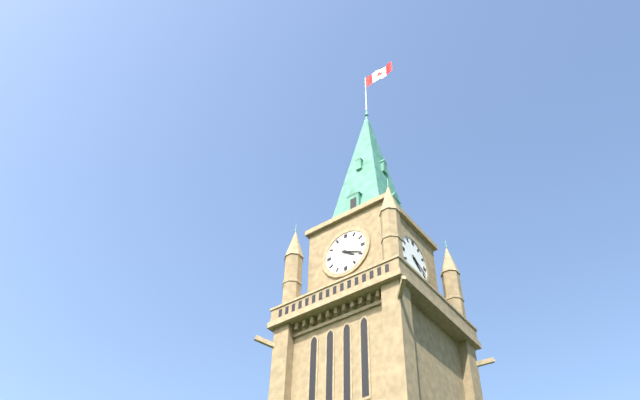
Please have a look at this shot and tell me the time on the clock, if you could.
4:19
